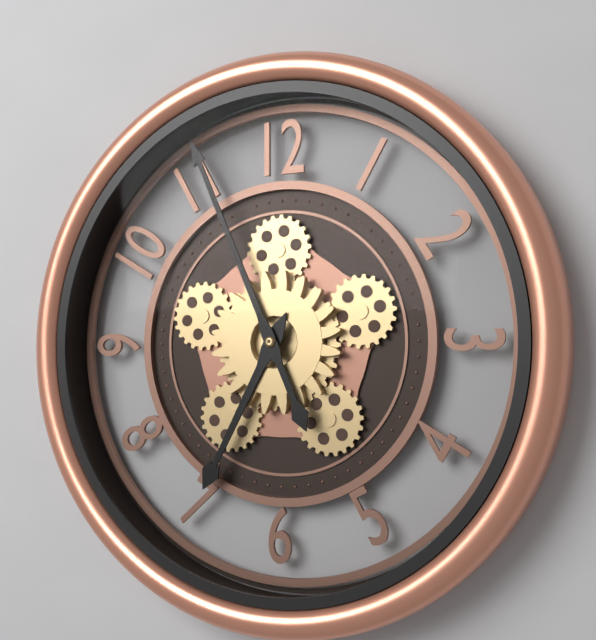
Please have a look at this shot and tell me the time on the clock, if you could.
6:56
